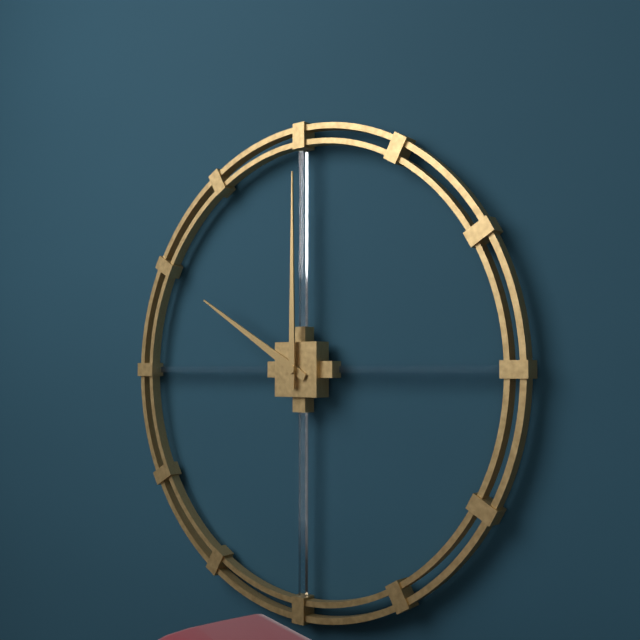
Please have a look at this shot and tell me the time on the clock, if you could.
10:00
